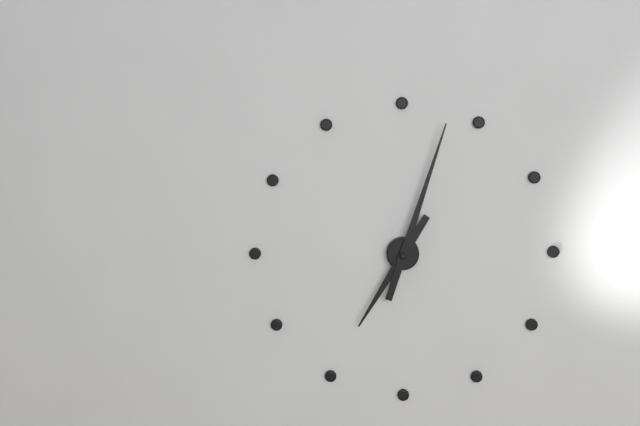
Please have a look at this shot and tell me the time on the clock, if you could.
7:03
